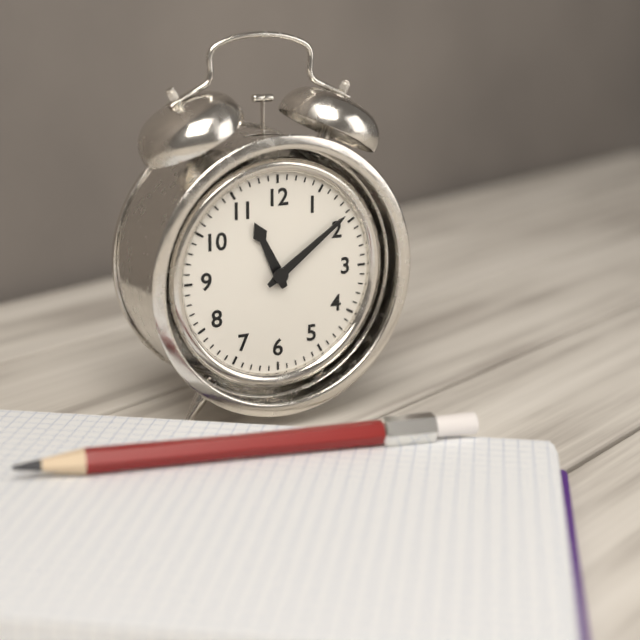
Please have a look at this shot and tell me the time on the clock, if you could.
11:09
